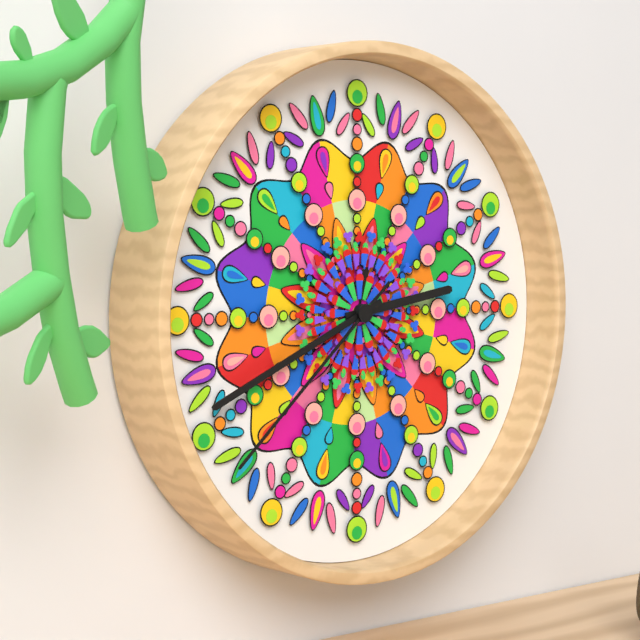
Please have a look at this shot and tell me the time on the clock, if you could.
2:41:38
